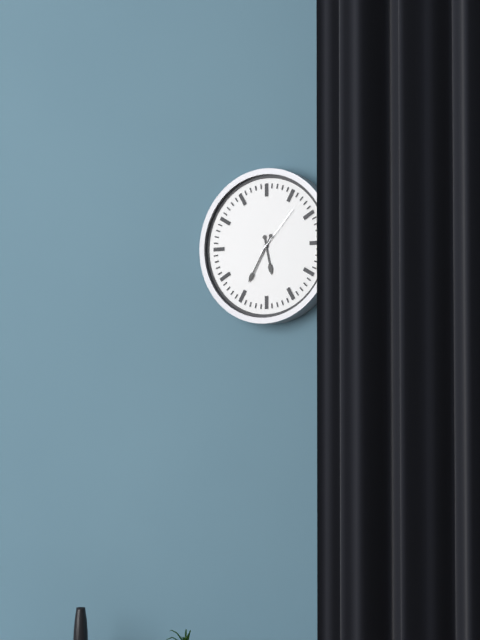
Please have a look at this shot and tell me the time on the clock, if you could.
5:35:07
